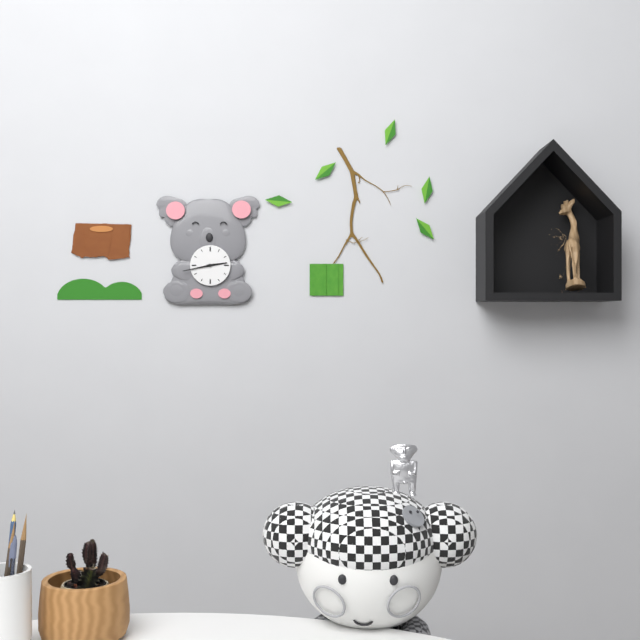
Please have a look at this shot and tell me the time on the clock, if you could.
2:43
